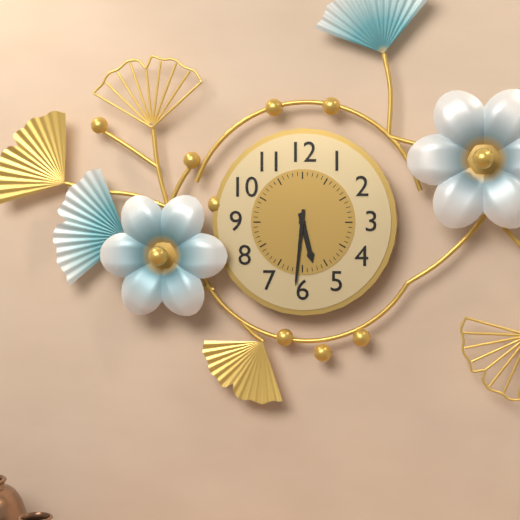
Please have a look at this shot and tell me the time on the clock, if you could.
5:31
